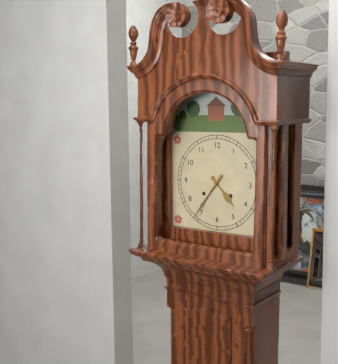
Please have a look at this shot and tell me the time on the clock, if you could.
4:36
